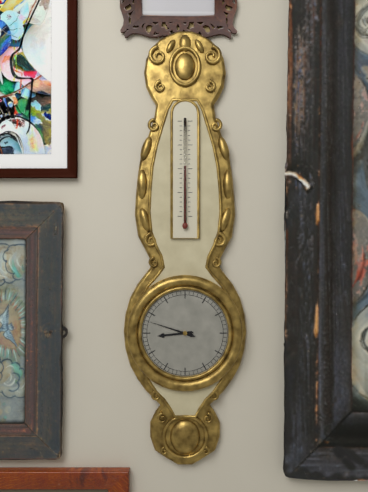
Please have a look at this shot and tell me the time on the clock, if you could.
8:48
